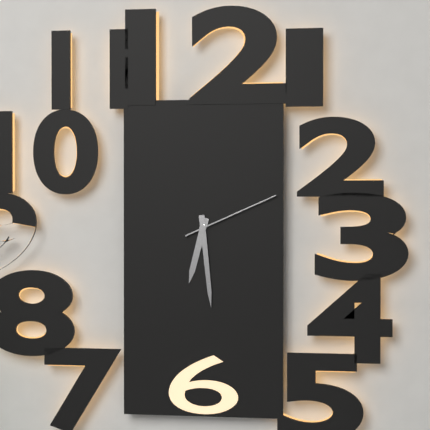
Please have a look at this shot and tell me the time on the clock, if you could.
6:29:11
